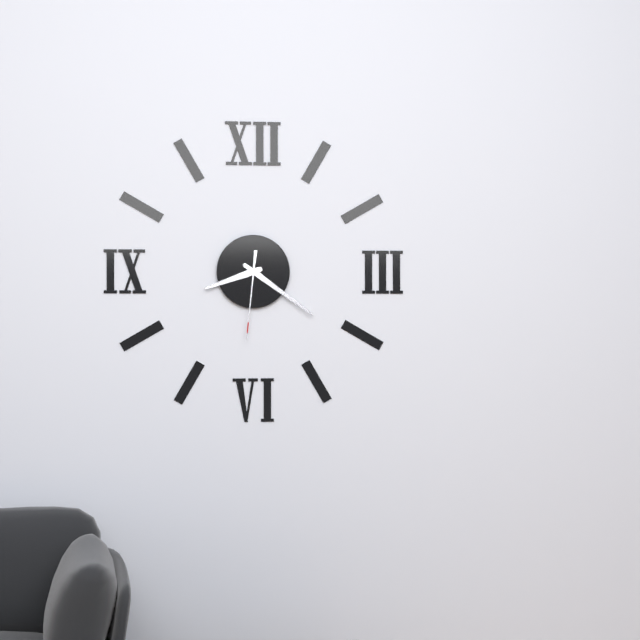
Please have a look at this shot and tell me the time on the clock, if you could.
8:21:31
